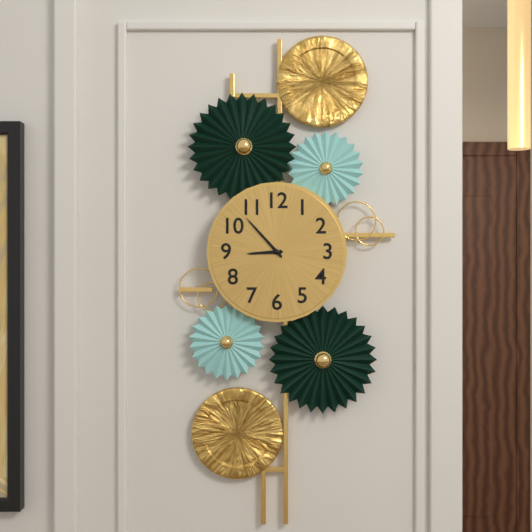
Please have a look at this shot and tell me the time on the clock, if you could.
8:53
